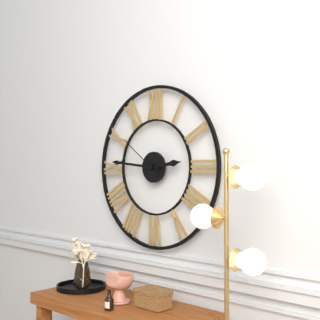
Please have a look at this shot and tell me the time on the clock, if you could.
2:46
